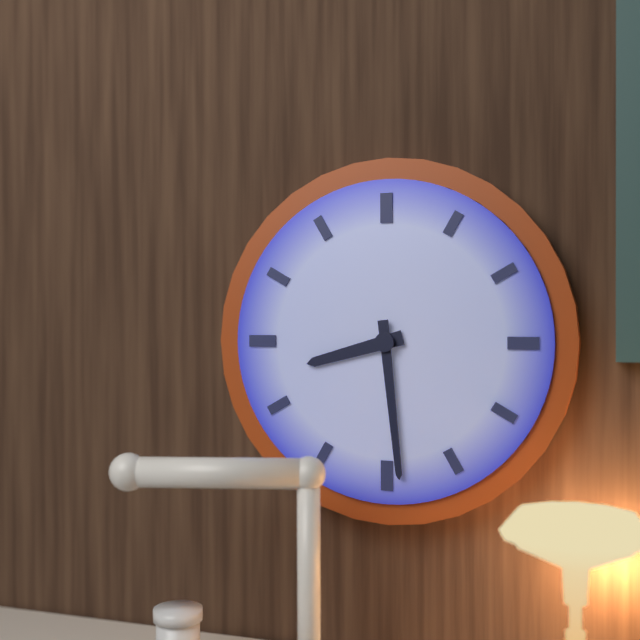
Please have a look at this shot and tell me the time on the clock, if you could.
8:29
